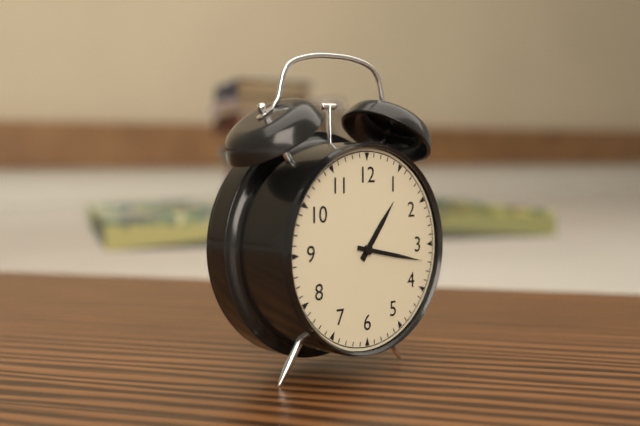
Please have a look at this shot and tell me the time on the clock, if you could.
1:17
